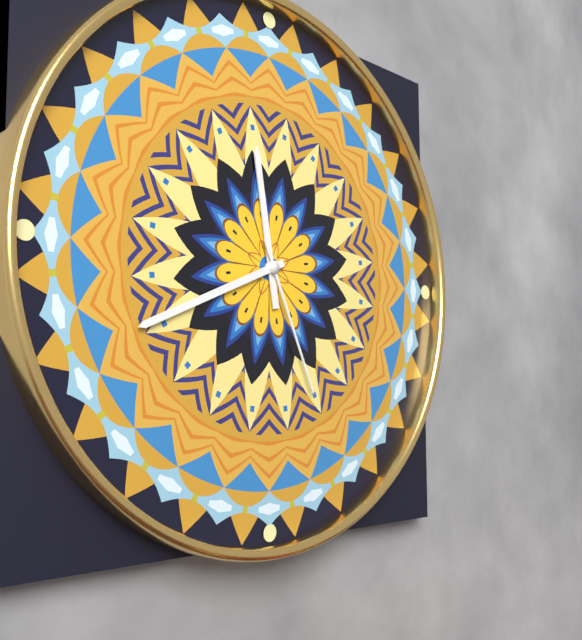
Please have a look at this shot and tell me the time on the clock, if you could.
11:41:26
